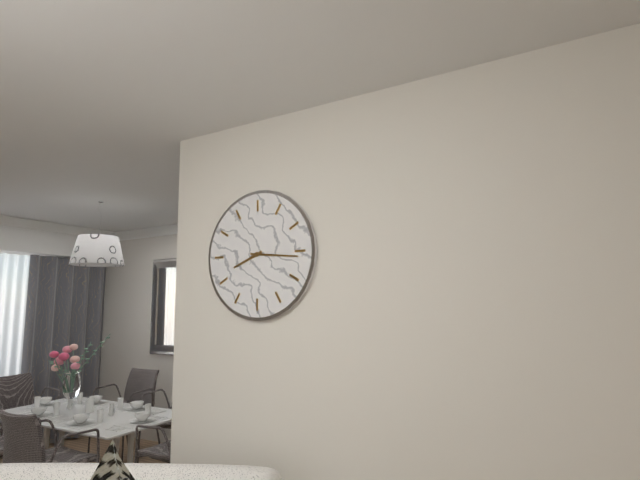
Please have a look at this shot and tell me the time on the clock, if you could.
8:16
